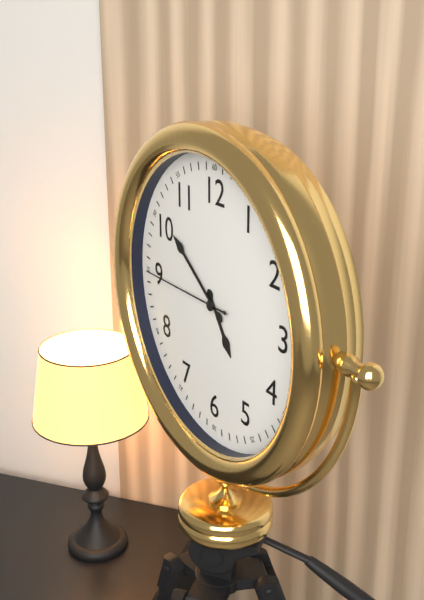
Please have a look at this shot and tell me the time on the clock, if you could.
4:51:45
